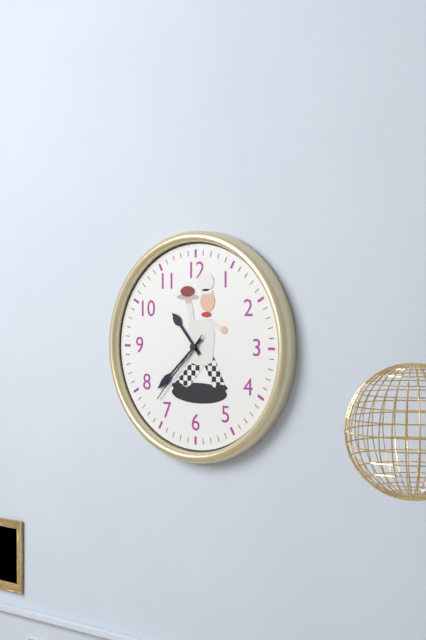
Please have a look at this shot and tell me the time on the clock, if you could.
10:38:37
